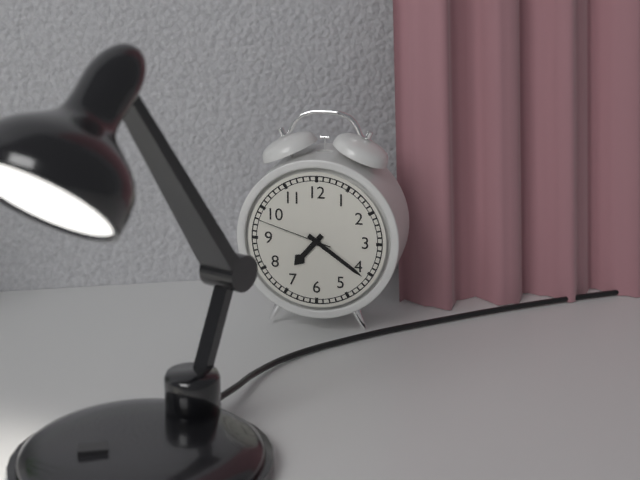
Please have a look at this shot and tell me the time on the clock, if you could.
7:21:48
